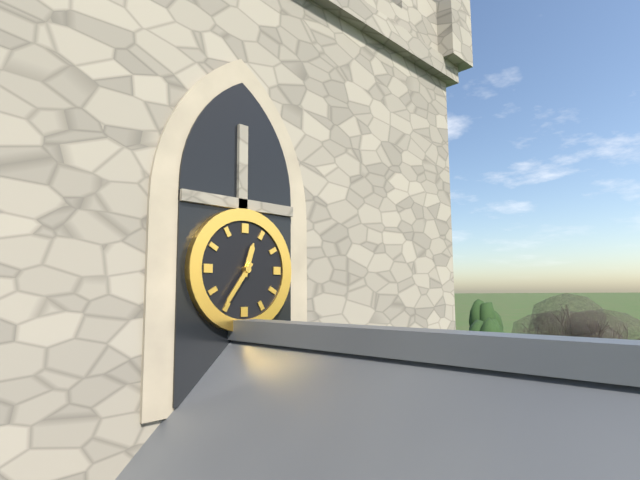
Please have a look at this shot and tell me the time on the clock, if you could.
12:36
